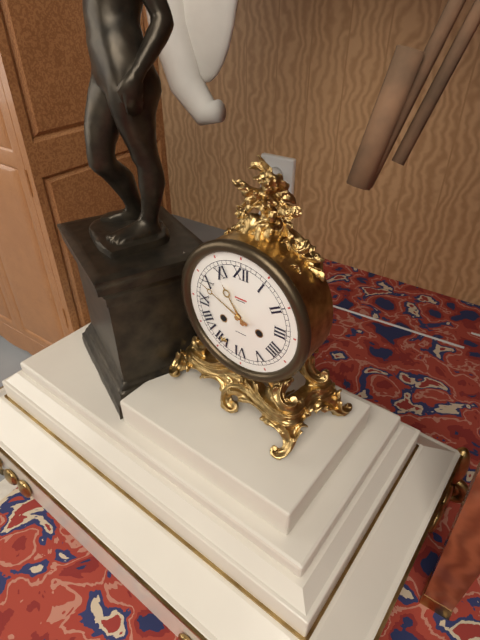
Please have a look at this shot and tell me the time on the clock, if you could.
10:49
